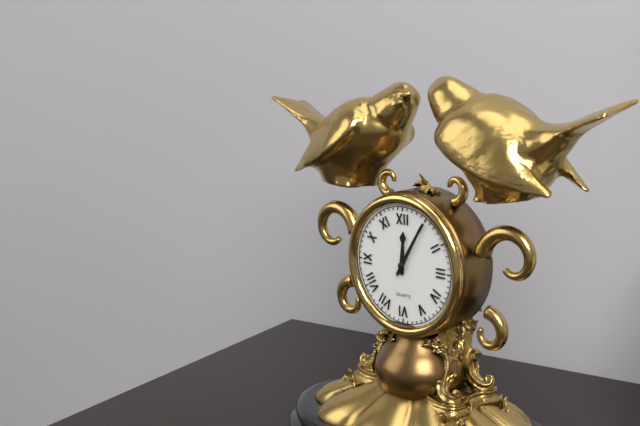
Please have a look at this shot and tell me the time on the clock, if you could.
12:05
